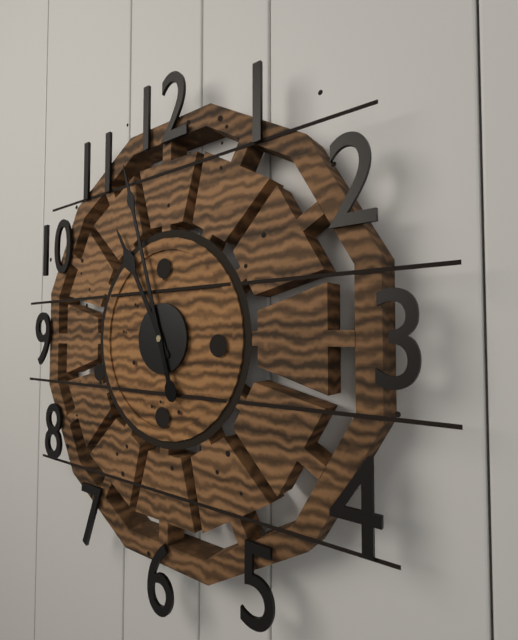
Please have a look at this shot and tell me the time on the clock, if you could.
10:57
